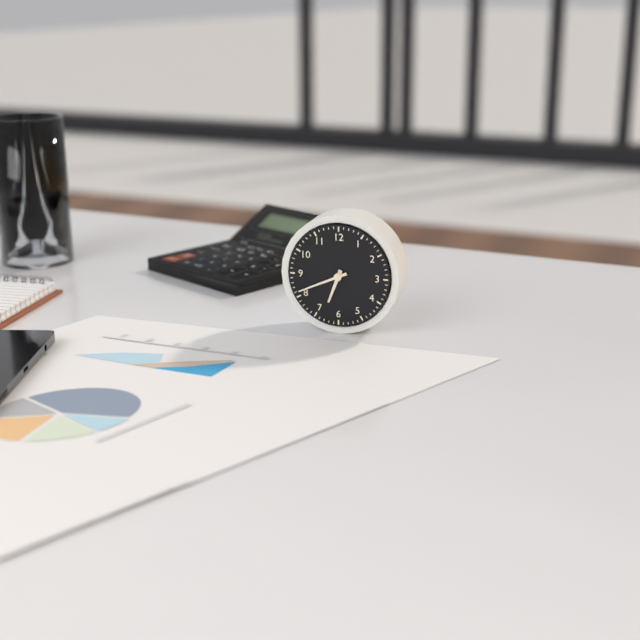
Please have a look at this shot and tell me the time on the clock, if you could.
6:41
